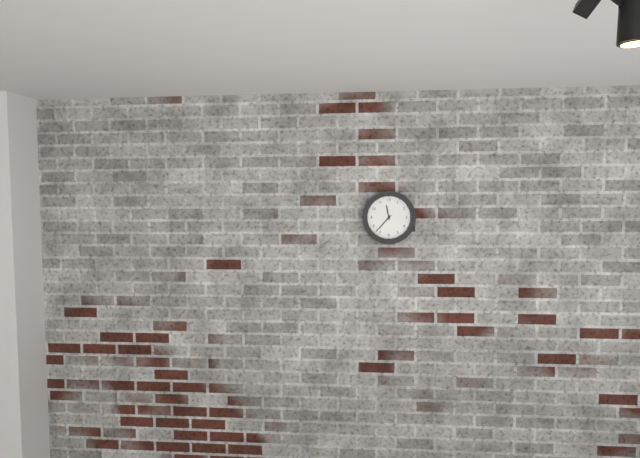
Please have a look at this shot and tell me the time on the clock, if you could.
11:37
